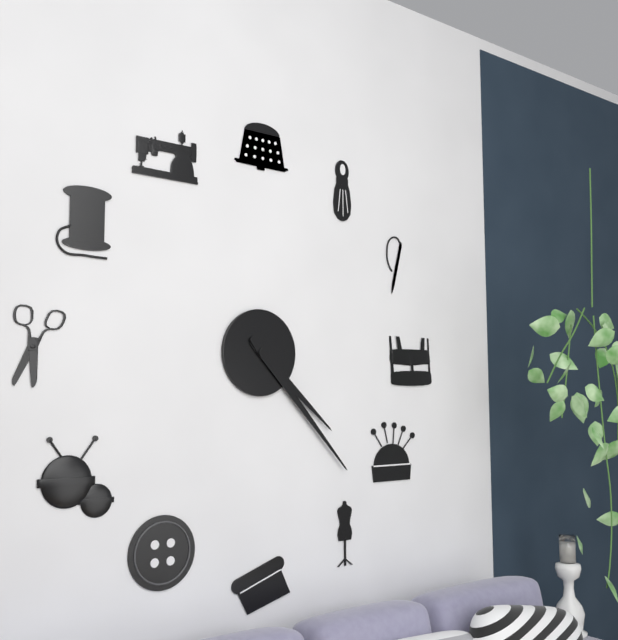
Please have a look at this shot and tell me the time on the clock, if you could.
4:23
